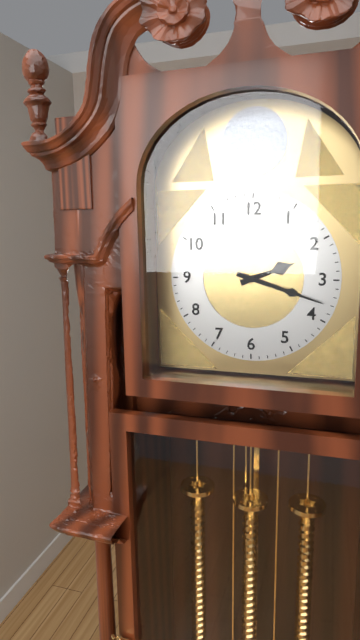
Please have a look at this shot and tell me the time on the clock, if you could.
2:18
